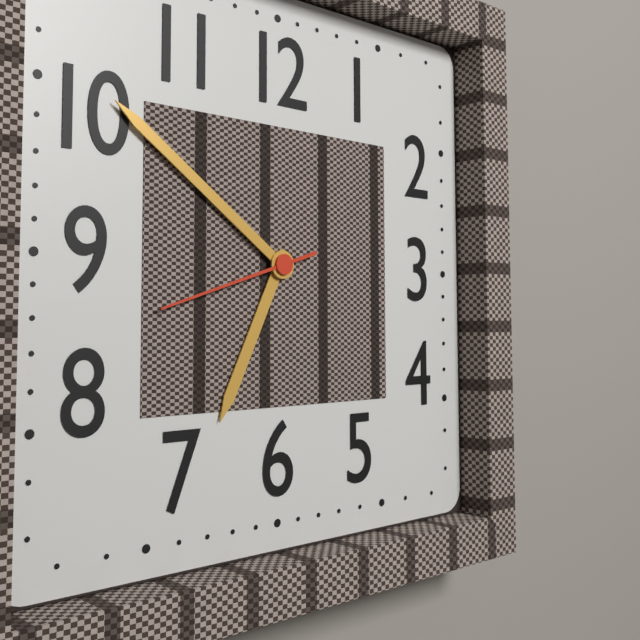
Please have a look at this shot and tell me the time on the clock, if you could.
6:51:42
